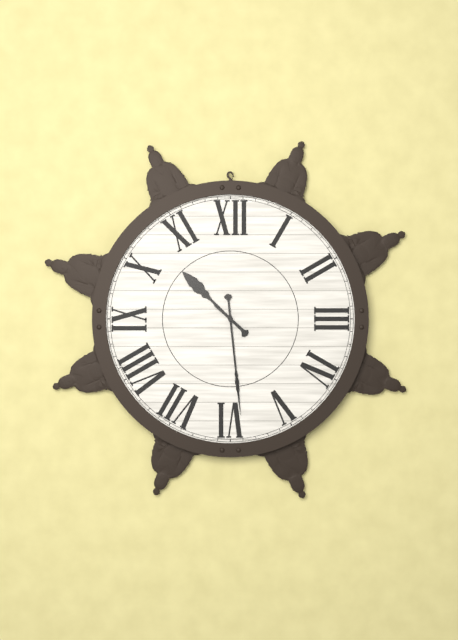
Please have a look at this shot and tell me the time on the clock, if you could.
10:29
